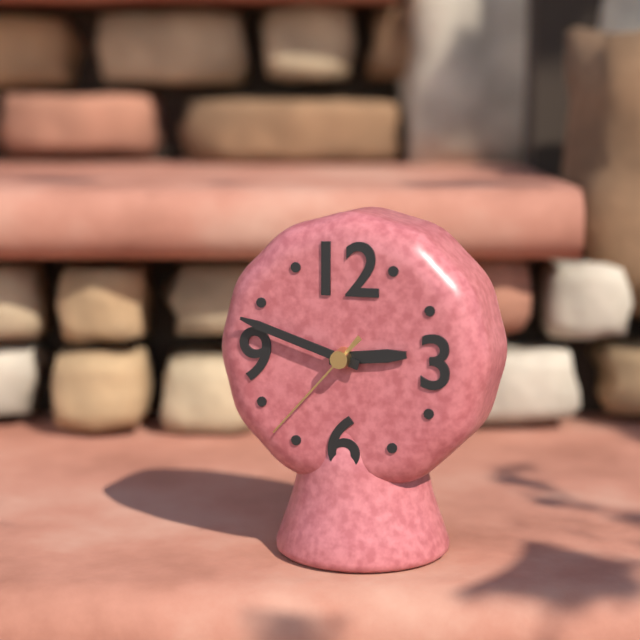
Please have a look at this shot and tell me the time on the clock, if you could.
2:48:37
